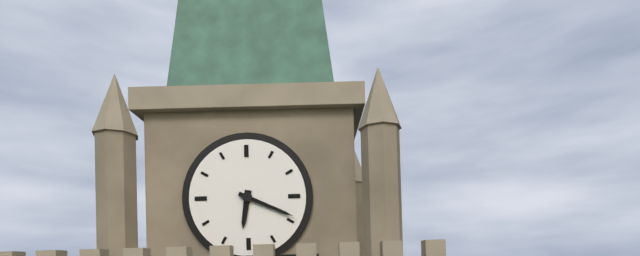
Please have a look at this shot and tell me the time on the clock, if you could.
6:19
